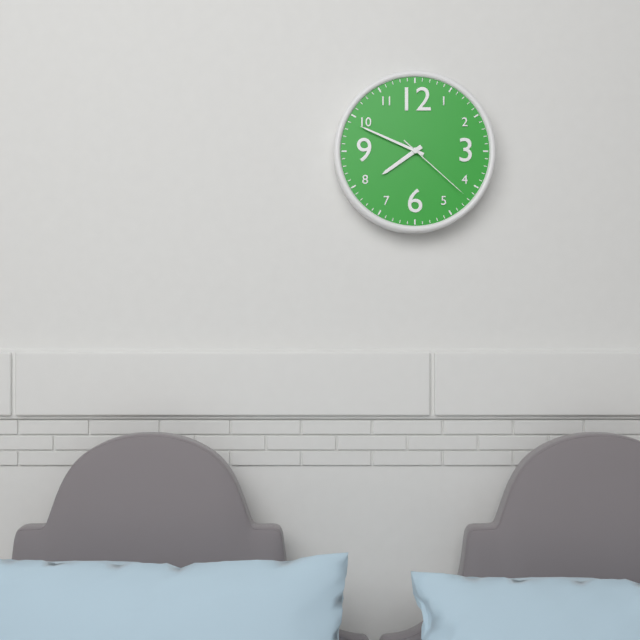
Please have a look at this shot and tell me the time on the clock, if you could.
7:49:22
